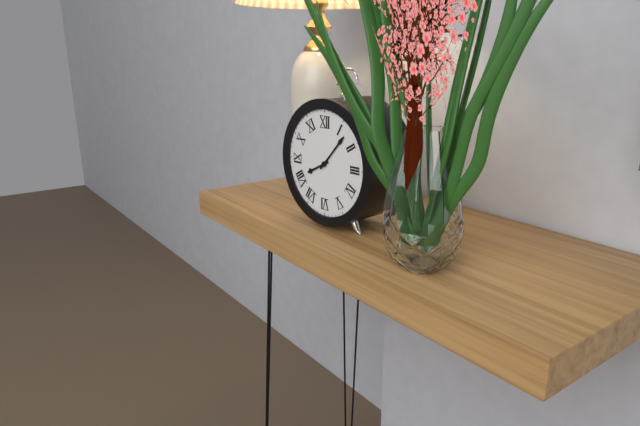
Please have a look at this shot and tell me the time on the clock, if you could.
8:07
